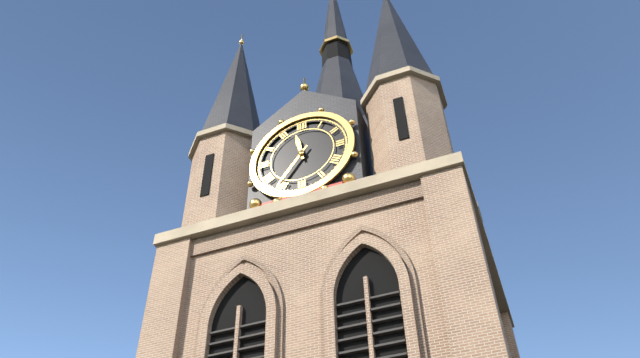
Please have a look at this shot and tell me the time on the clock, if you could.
11:36
